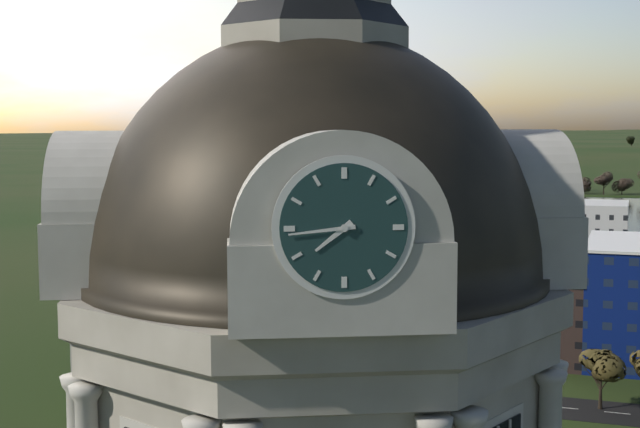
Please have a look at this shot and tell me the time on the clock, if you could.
7:44
